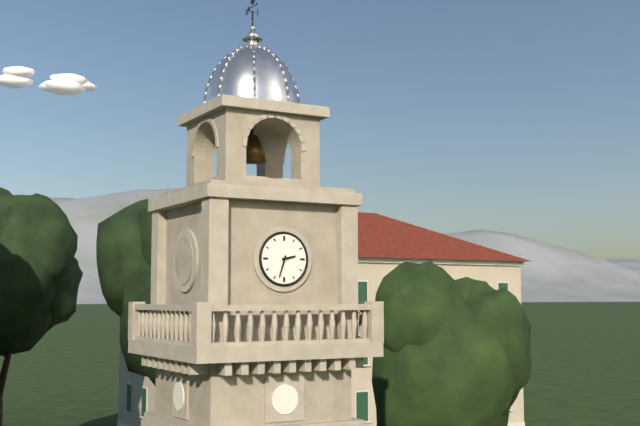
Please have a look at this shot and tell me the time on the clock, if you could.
2:33
